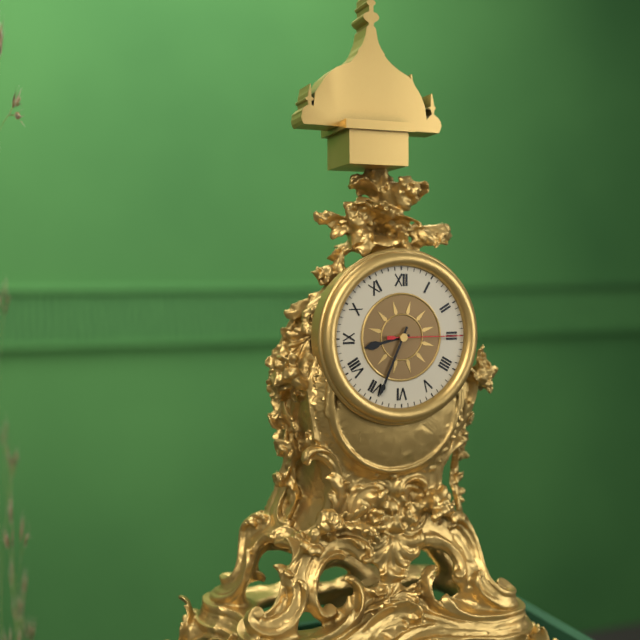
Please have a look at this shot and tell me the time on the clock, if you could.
8:34:15
